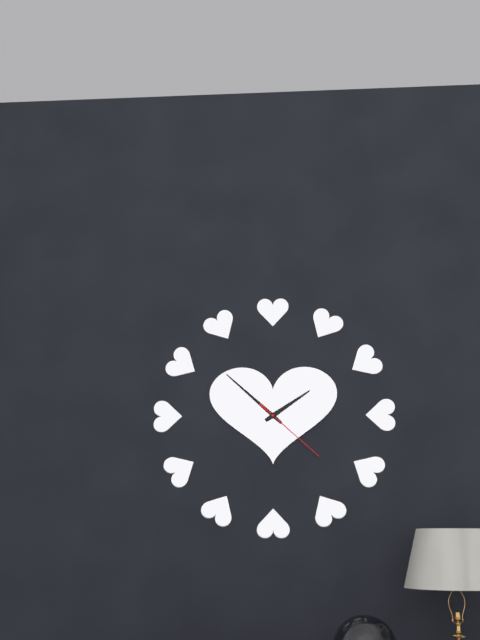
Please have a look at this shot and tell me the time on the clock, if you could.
1:52:22
